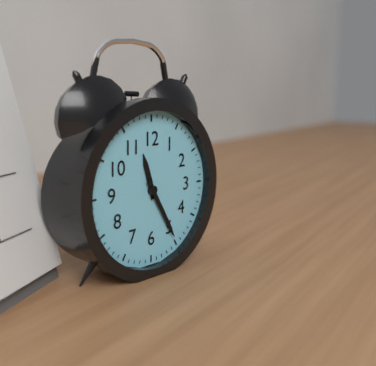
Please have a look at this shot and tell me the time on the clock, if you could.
11:25
